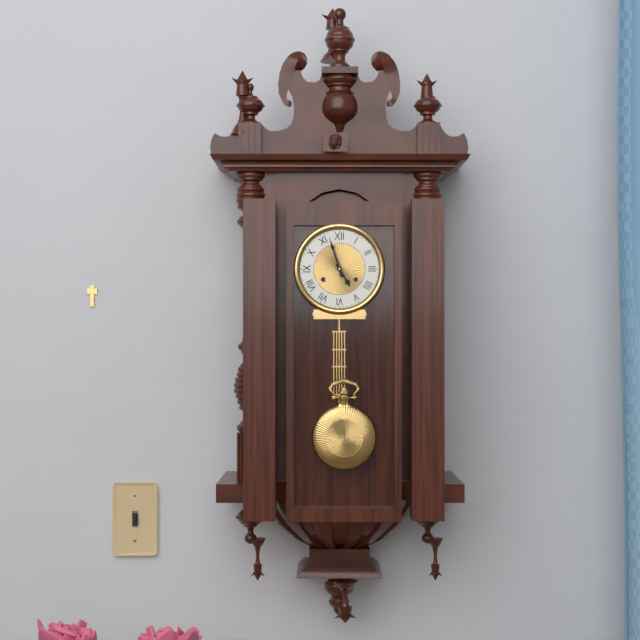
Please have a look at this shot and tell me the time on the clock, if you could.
4:57
